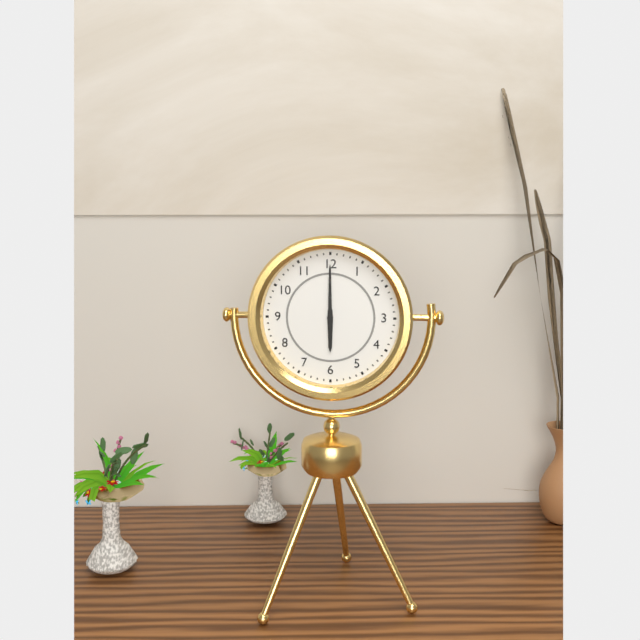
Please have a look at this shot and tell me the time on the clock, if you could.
6:00
